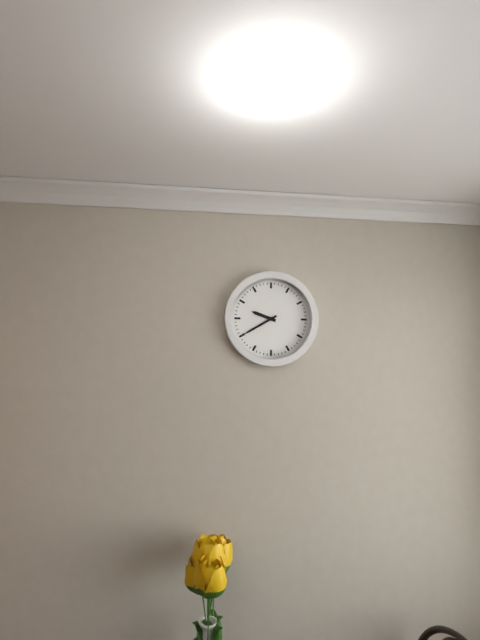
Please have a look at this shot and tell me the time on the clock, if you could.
9:40
